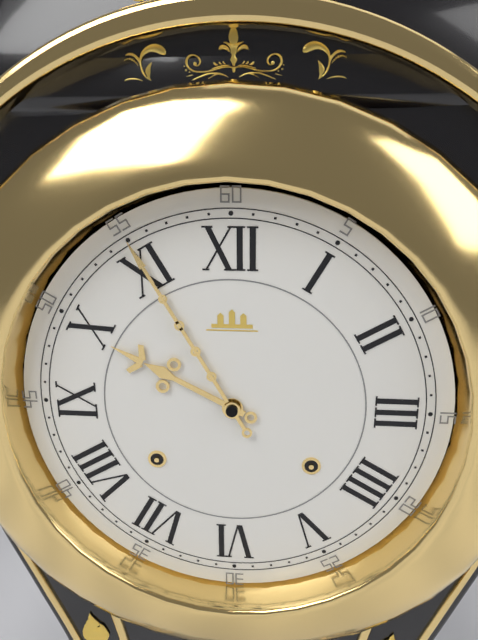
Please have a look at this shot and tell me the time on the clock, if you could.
9:55
